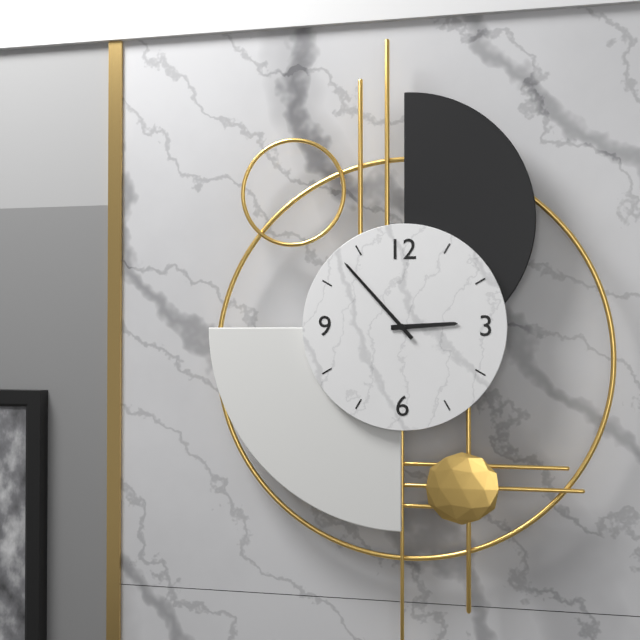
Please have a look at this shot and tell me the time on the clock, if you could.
2:53
